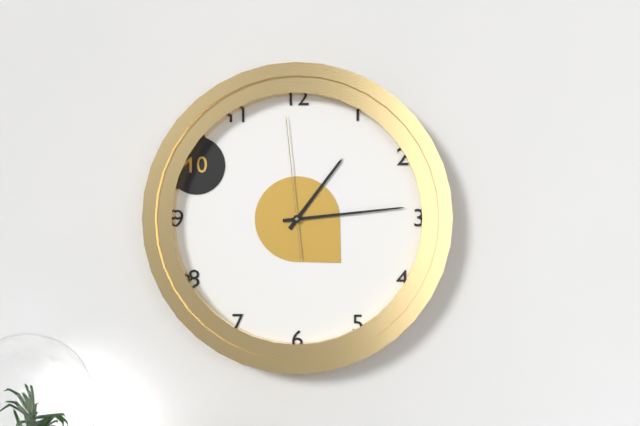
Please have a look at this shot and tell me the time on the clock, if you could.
1:14:59
